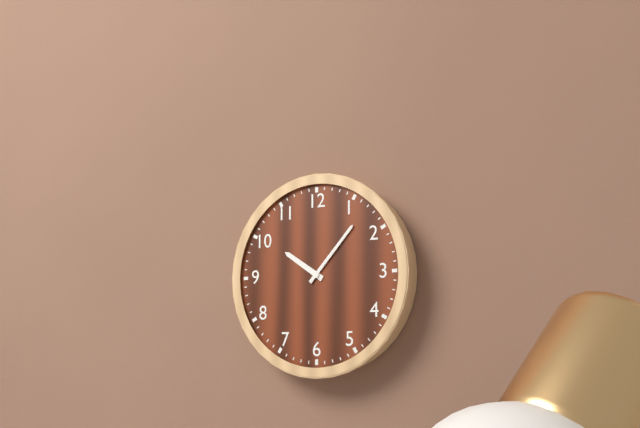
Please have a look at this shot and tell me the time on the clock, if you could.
10:07
